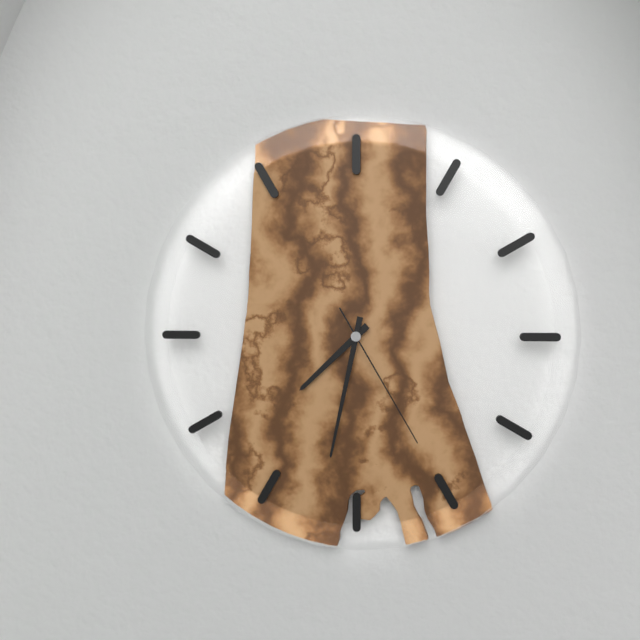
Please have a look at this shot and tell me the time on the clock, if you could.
7:32:25
